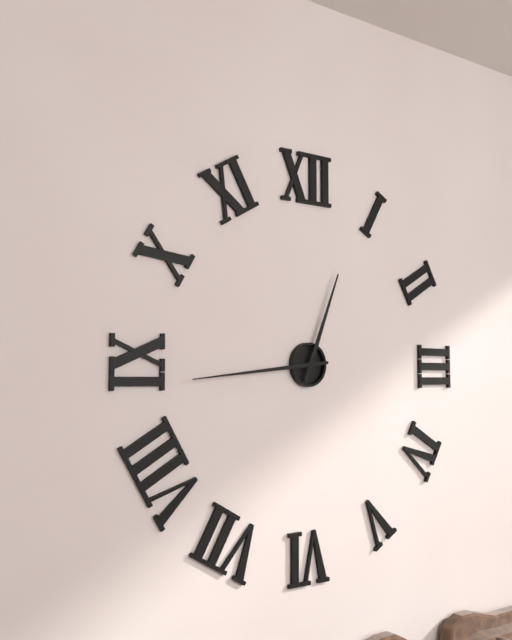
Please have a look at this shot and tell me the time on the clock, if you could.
12:44
